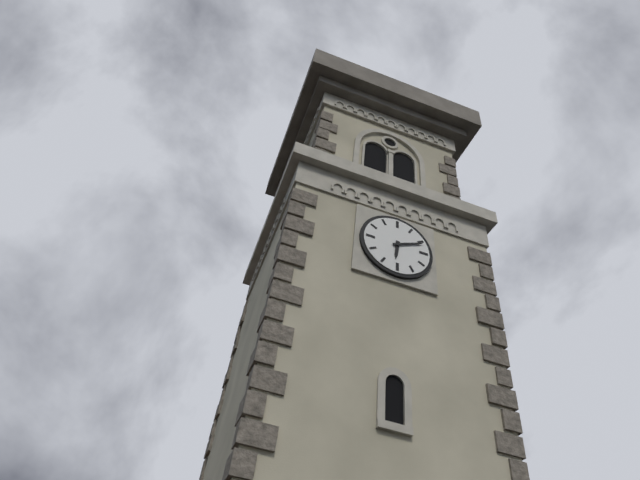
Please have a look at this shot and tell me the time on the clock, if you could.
6:11
